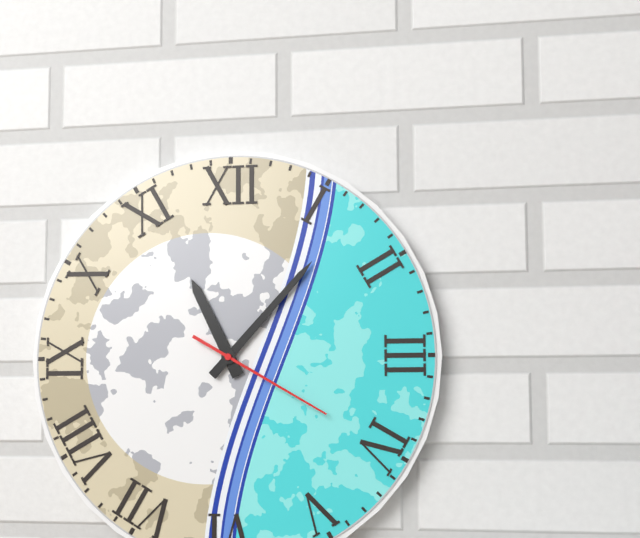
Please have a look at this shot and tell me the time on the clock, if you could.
11:07:20
